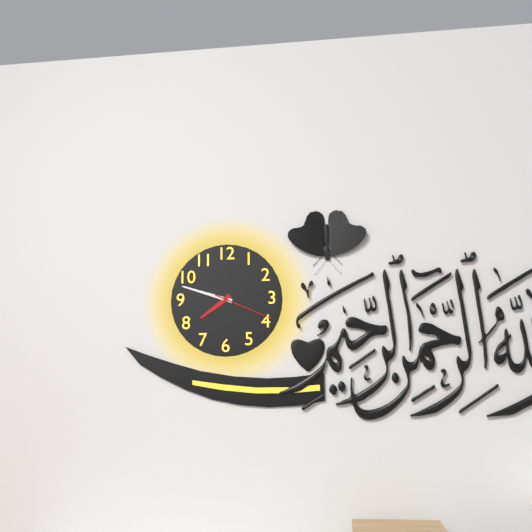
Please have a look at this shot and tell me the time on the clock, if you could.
7:48:19
